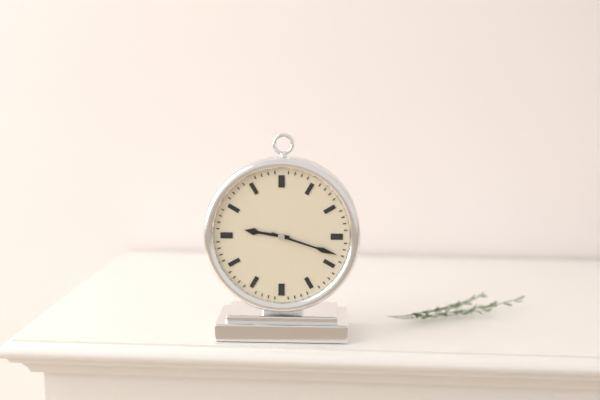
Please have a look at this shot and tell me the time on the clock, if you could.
9:18
